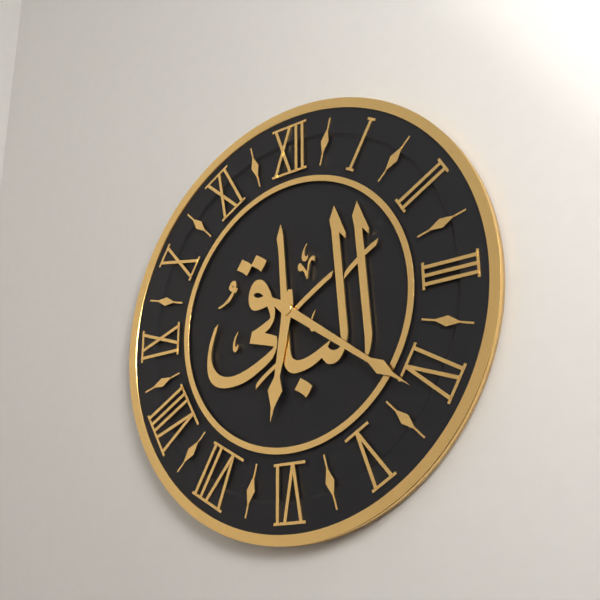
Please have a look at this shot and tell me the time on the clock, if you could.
6:21
